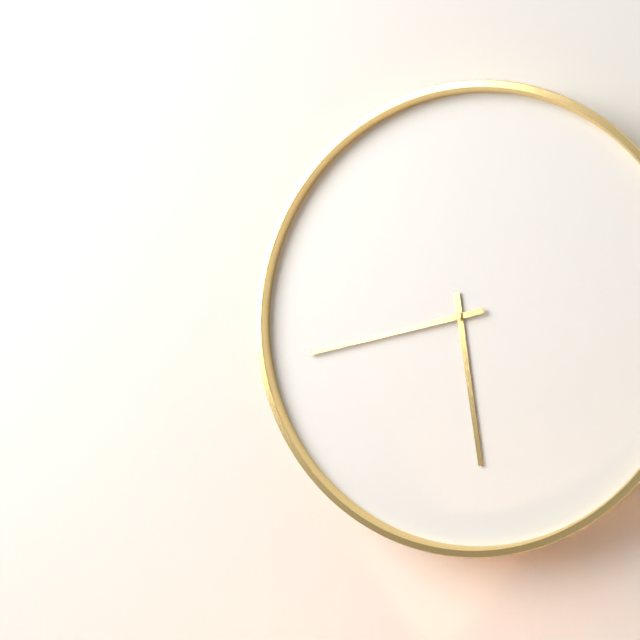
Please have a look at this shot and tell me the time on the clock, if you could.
5:43
